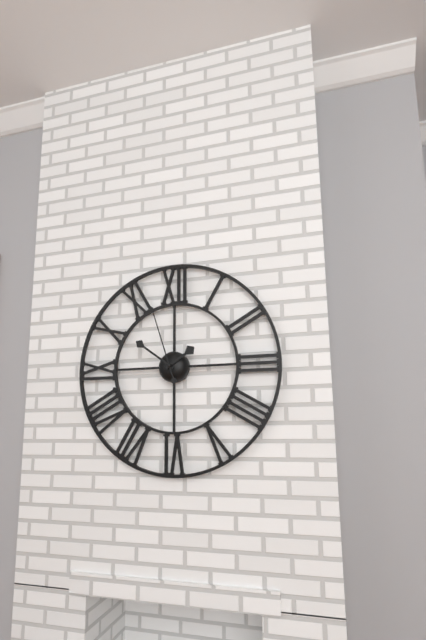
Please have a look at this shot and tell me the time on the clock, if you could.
1:51:57
